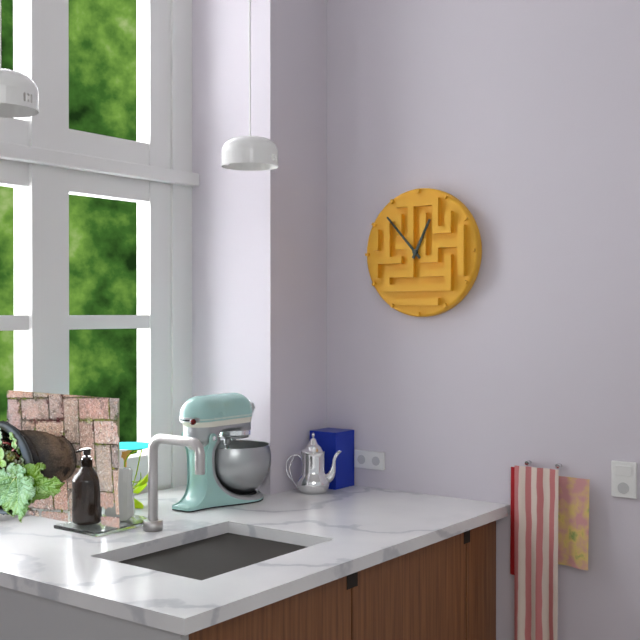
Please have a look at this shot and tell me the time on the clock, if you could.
12:53
